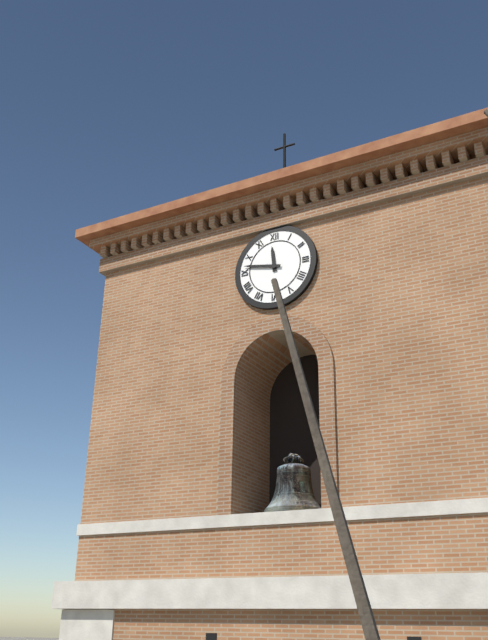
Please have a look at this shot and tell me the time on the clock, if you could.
11:47
